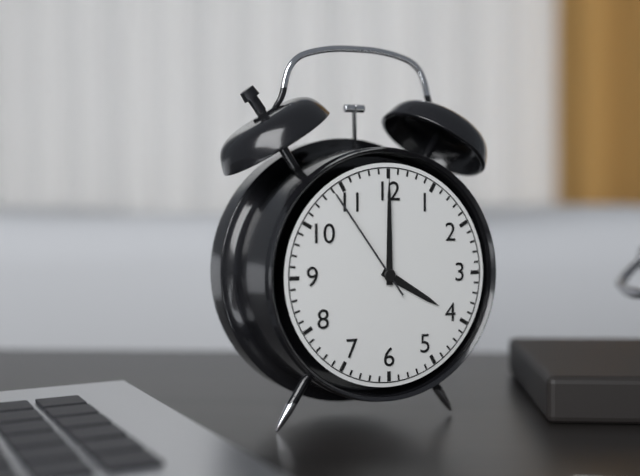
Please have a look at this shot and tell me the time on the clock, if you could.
4:00:54
